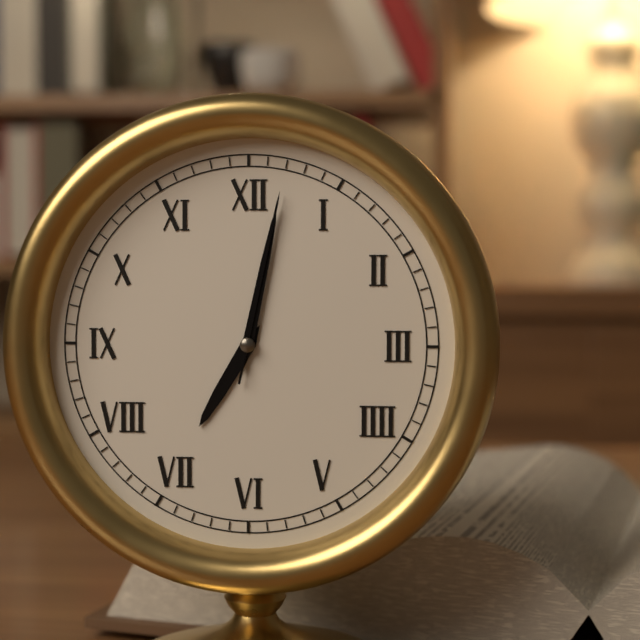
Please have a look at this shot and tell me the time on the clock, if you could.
7:02:02
